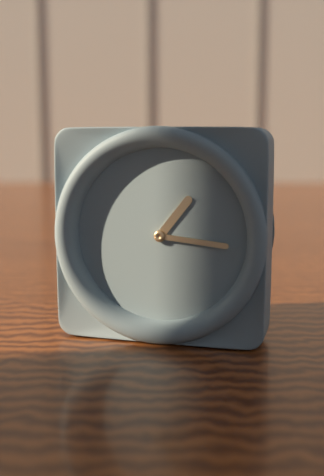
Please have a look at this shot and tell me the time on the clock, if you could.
1:16
